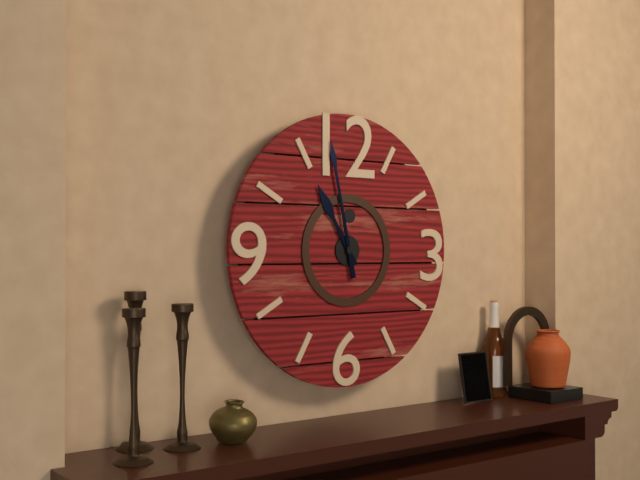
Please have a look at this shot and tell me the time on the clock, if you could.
10:58
